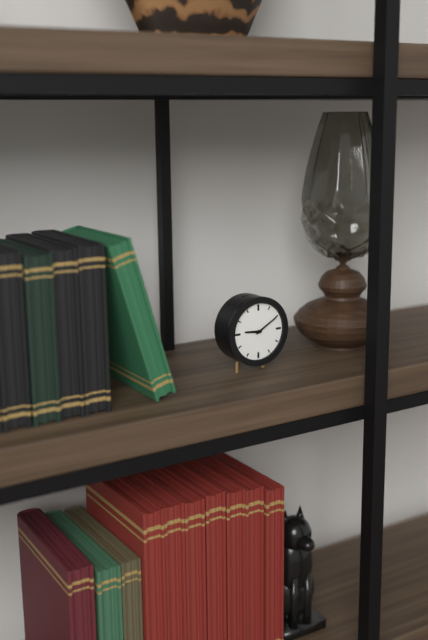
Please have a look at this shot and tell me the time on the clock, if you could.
9:10
